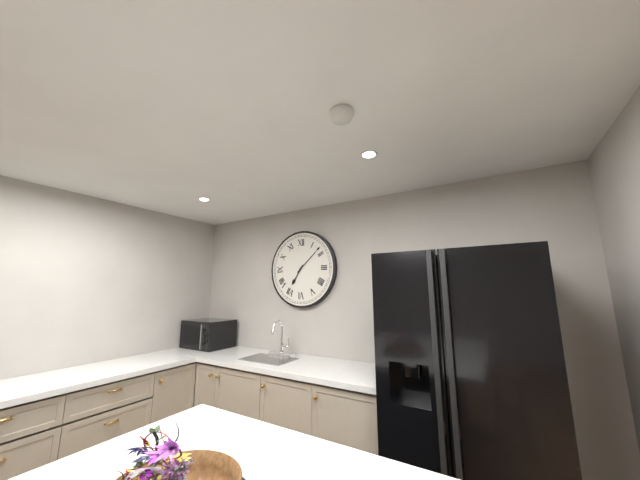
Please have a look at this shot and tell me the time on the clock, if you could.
7:08
